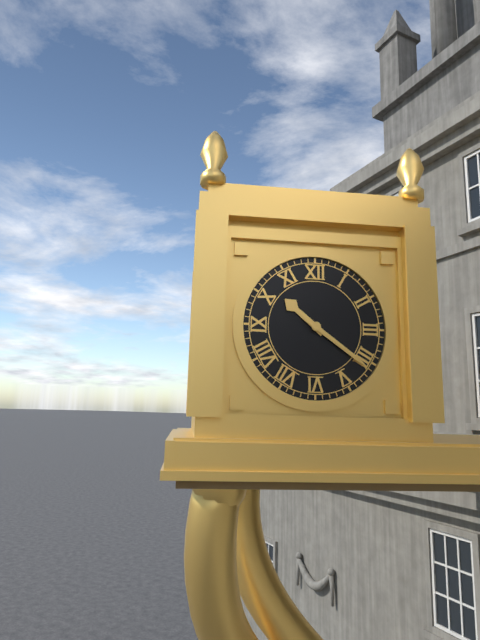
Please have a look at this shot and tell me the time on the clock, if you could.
10:21
